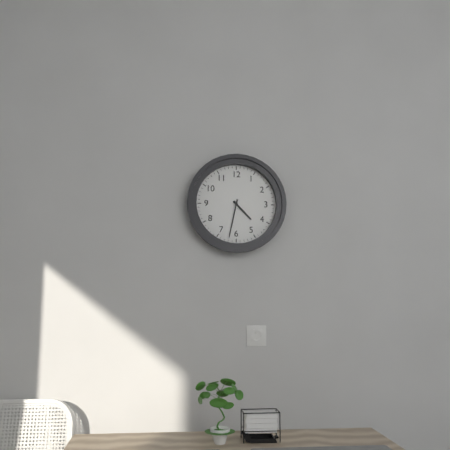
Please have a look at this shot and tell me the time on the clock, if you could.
4:32
